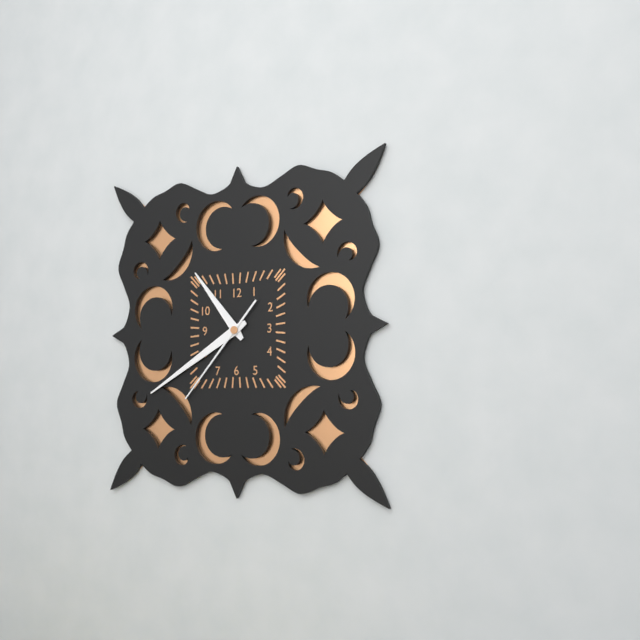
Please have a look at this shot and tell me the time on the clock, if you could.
10:40:37
